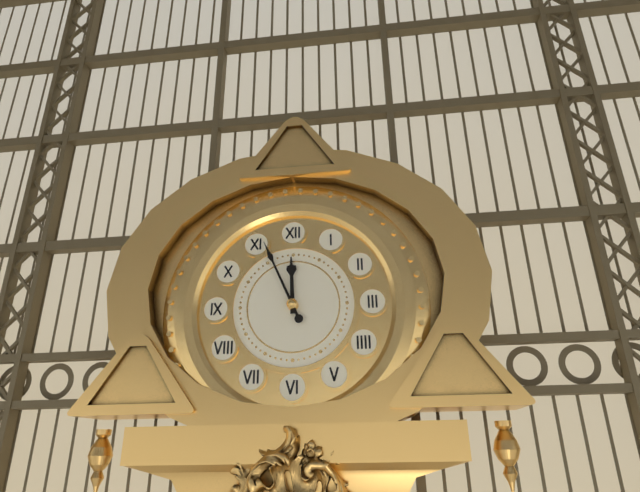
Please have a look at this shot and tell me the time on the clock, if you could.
11:56
